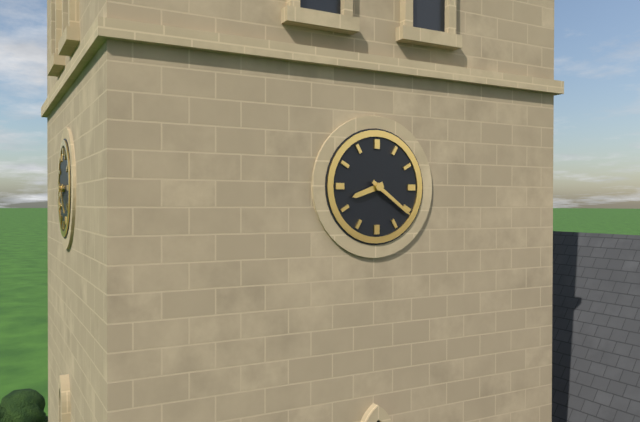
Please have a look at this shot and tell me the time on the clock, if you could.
8:21
